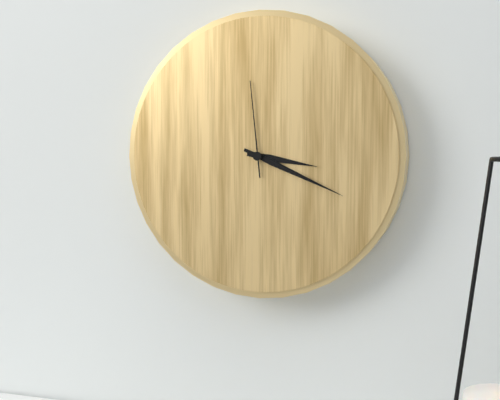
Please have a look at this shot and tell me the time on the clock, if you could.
3:19:59
